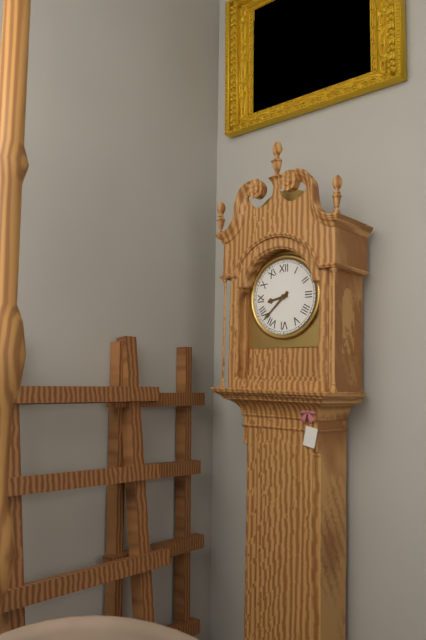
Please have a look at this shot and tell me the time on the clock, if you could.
8:38
